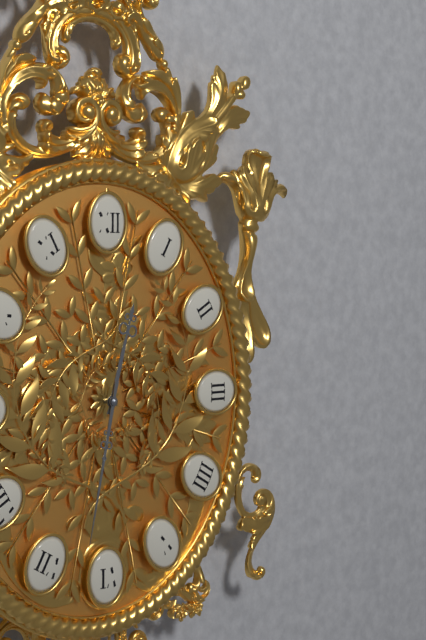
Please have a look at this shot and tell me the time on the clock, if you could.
12:32
